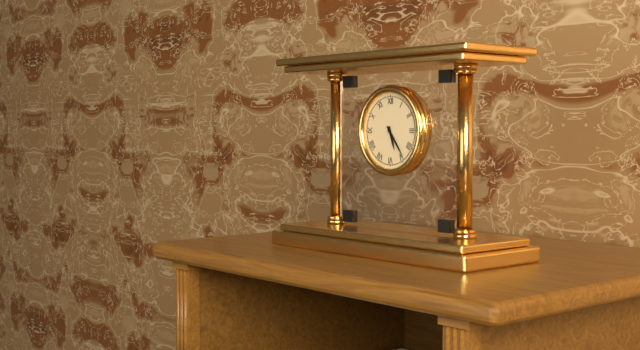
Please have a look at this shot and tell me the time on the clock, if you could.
5:24
